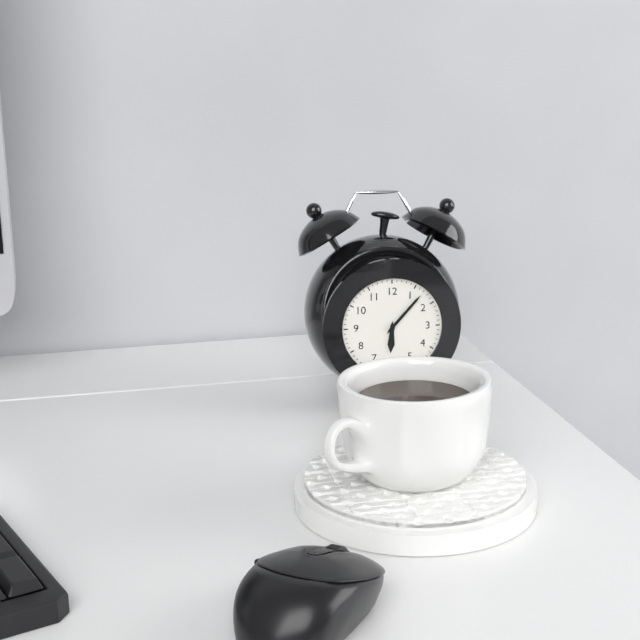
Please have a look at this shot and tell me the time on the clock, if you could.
6:07
